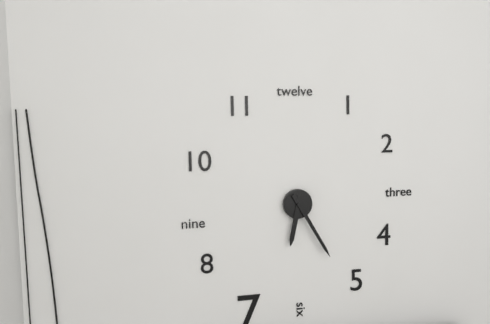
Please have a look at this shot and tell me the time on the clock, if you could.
6:25
